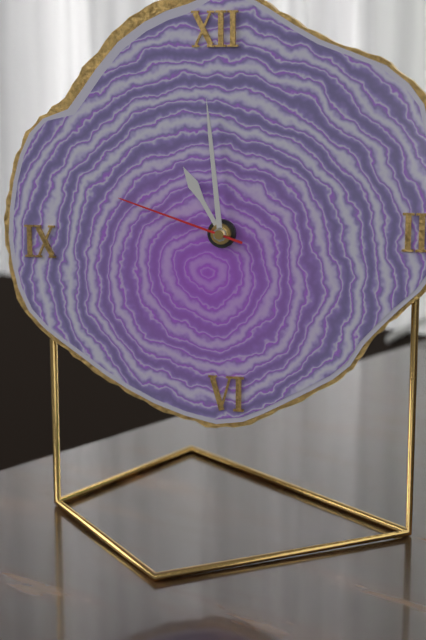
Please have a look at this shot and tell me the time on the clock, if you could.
10:59:48
